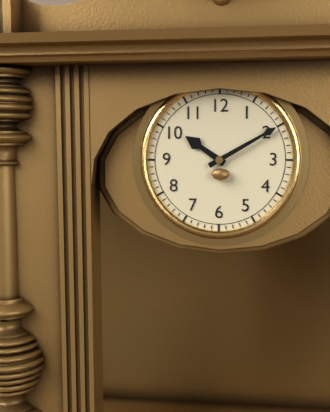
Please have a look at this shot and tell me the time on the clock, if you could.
10:10
